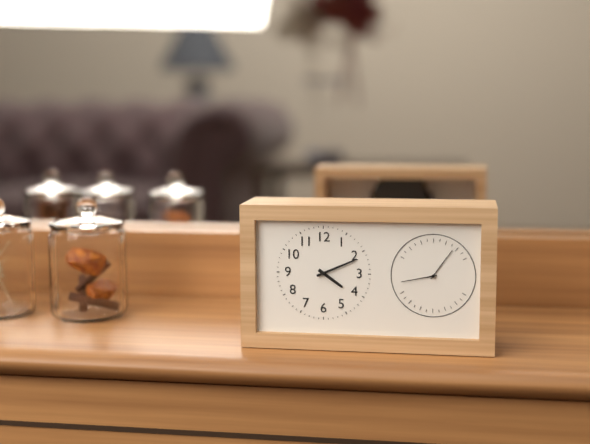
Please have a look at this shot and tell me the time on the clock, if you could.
4:11
